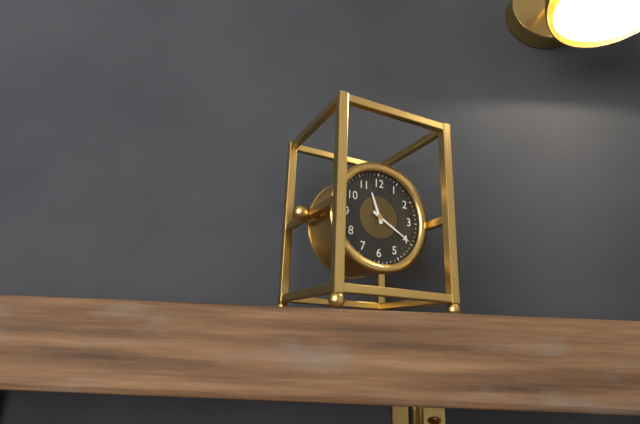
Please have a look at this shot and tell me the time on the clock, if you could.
11:20
